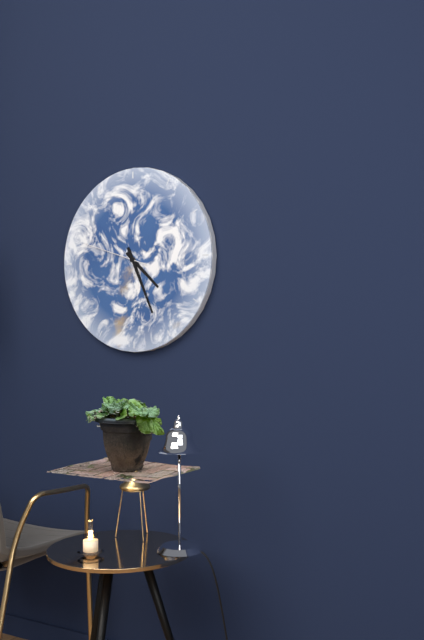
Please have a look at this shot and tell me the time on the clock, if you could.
4:26:48
